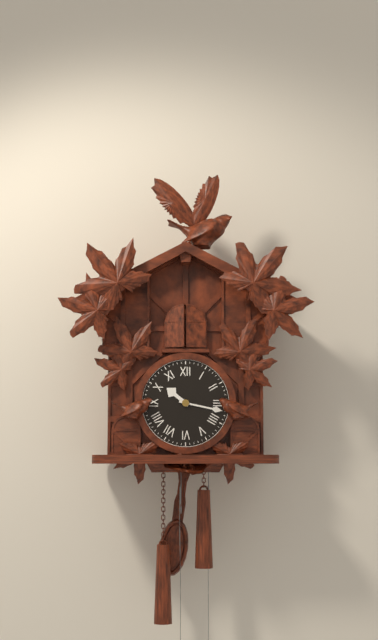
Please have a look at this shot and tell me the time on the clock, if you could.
10:17
